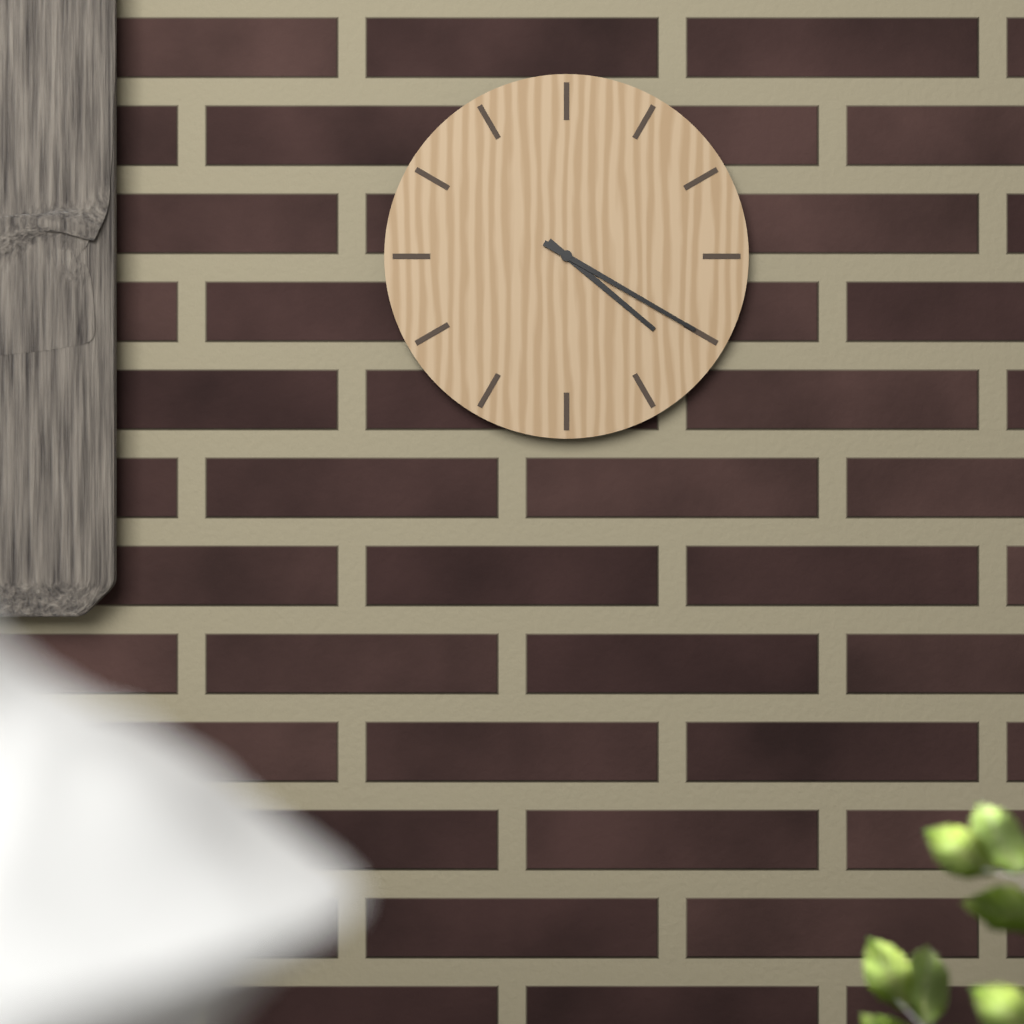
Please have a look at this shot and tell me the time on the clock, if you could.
4:20
